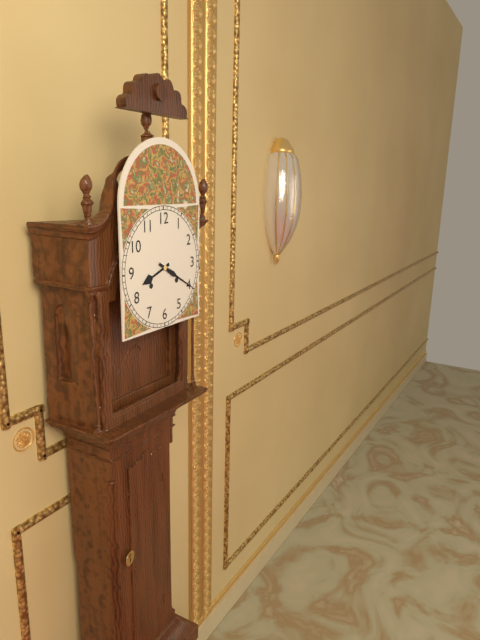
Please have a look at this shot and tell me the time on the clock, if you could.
8:20
